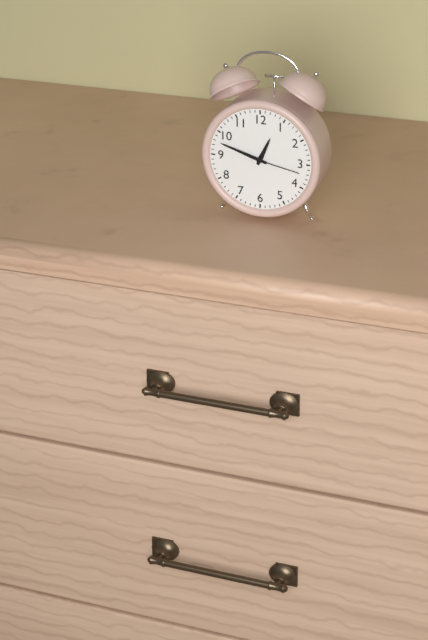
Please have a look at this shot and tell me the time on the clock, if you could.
12:48:17
